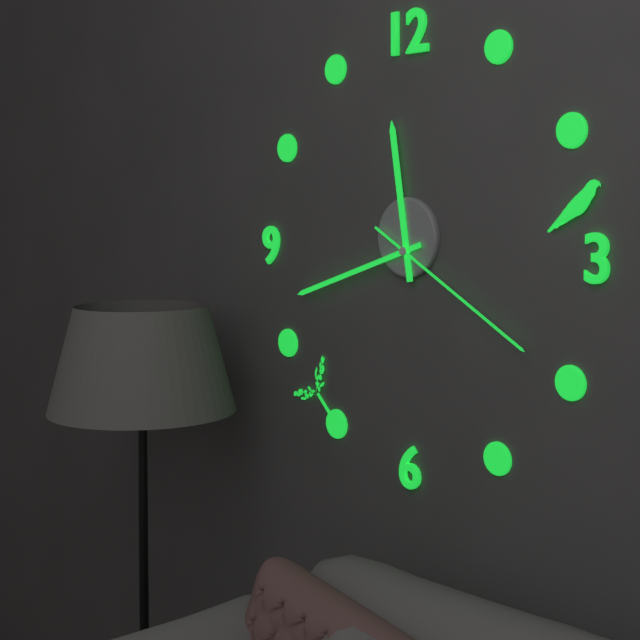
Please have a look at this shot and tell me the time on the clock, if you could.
11:42:20
